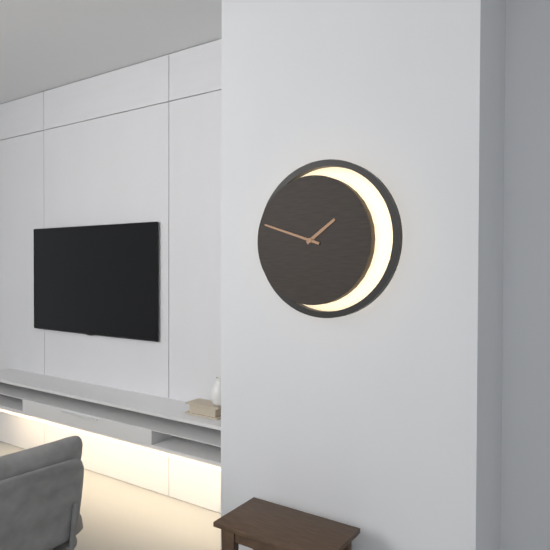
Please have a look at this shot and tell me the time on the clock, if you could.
1:48
